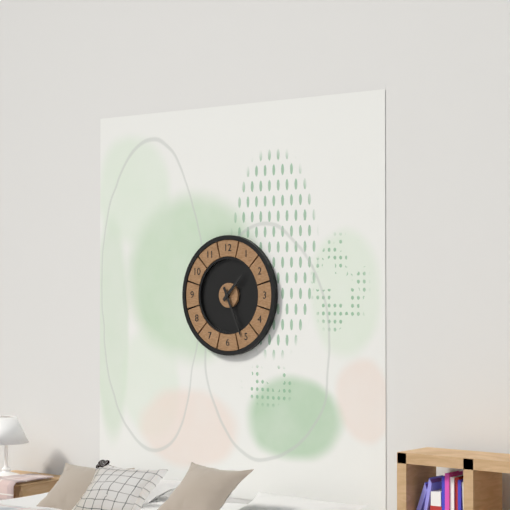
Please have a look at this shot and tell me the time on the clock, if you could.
1:26
